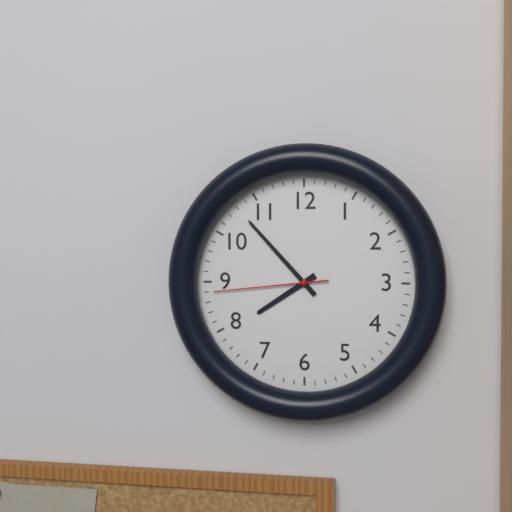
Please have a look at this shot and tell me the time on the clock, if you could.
7:53:44
